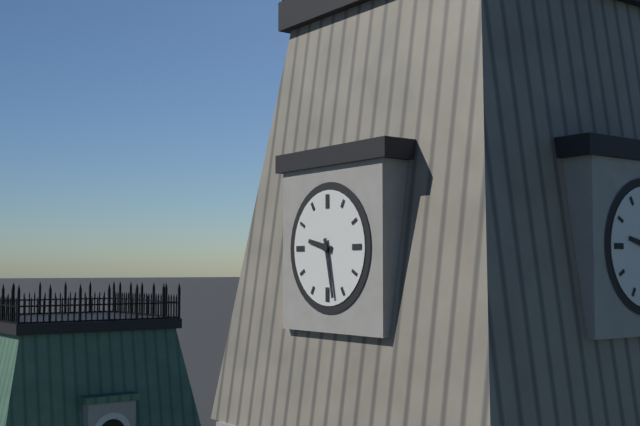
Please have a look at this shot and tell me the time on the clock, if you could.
9:28
